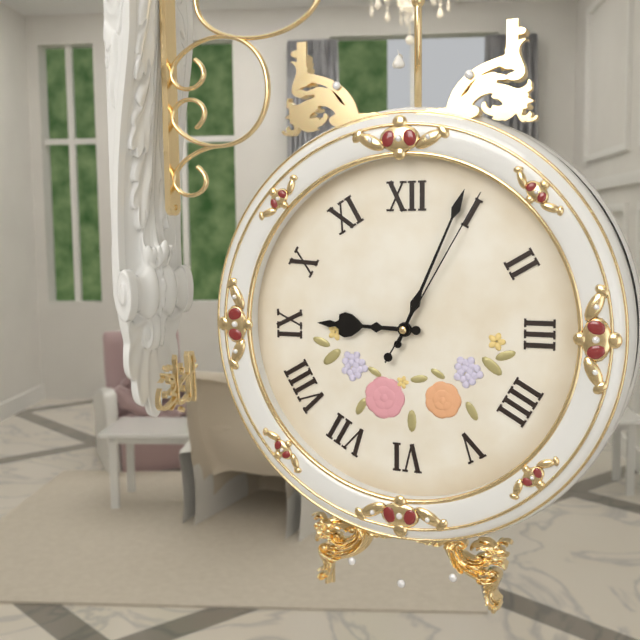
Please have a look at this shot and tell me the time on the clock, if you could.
9:04:05
